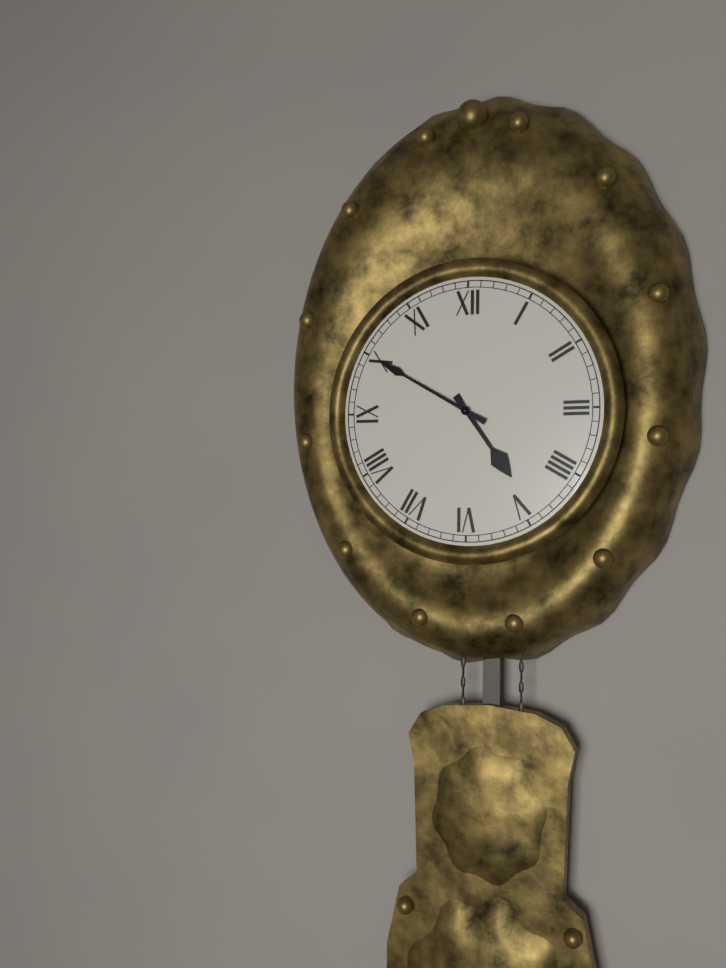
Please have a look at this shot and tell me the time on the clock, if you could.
4:50
